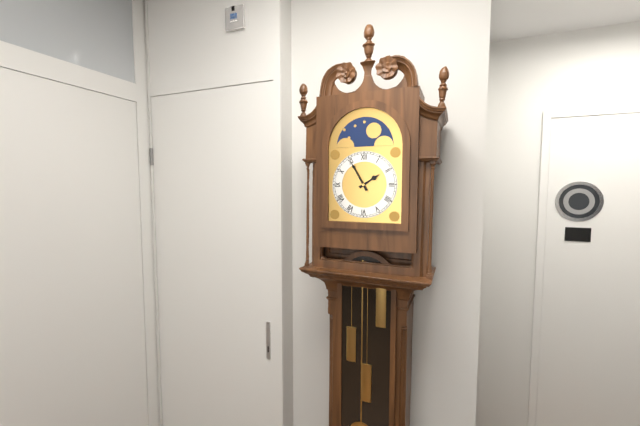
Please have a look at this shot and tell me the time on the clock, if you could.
1:55
